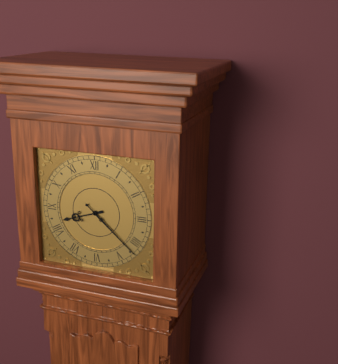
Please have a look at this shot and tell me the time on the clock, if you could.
8:22
